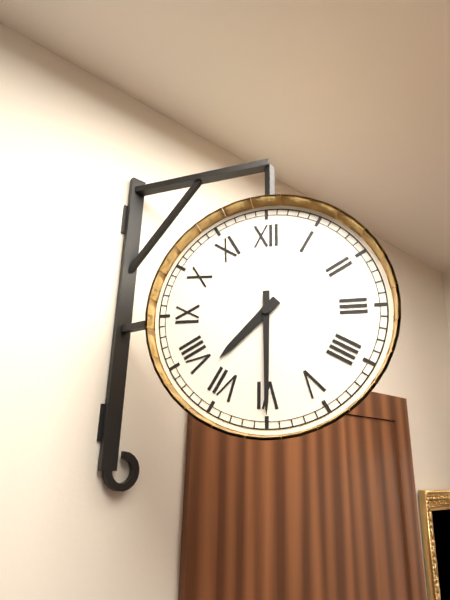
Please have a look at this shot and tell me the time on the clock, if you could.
7:30
